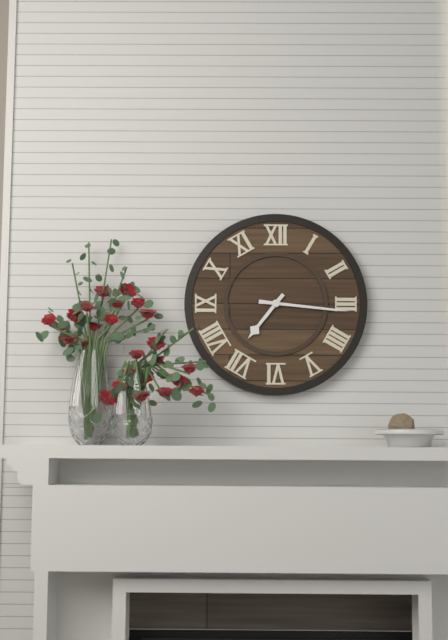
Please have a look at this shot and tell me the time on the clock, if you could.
7:16
